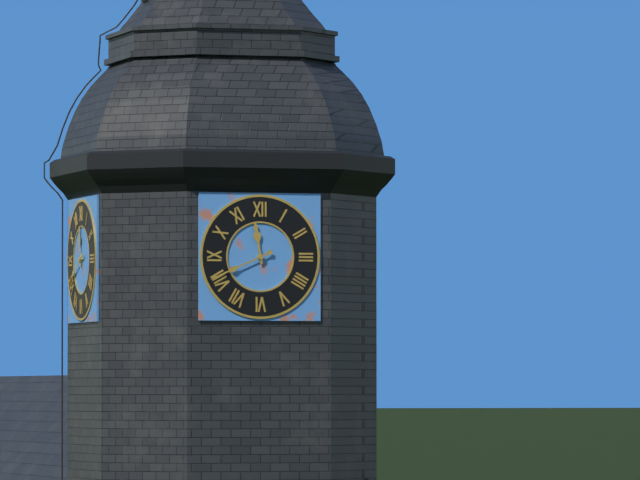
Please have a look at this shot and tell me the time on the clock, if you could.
11:41
